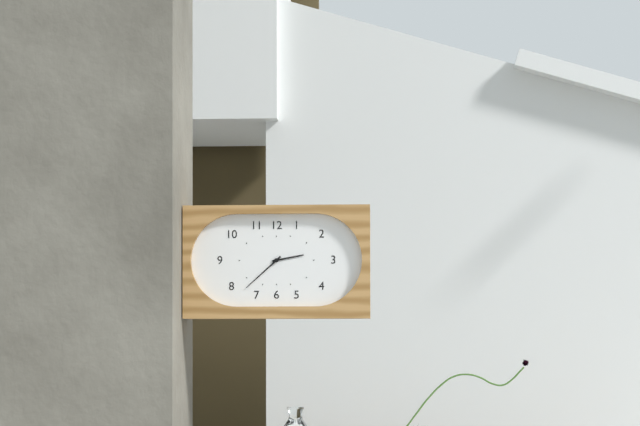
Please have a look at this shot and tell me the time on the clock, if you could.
2:38
